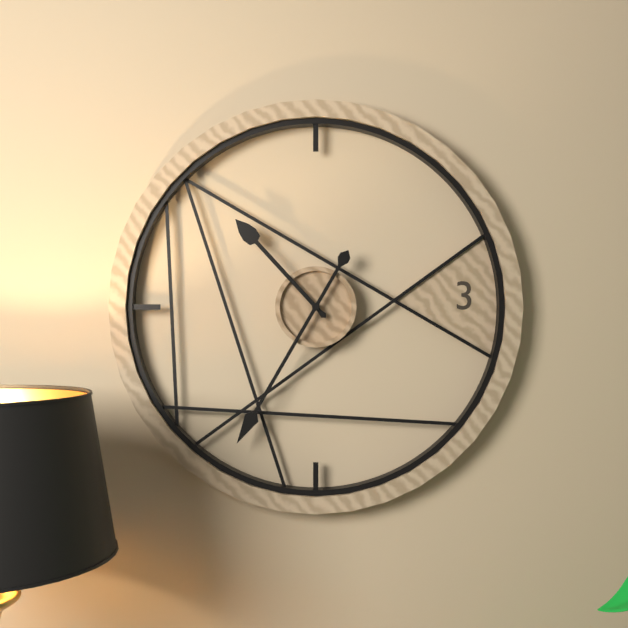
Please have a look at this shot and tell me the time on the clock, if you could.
10:35
